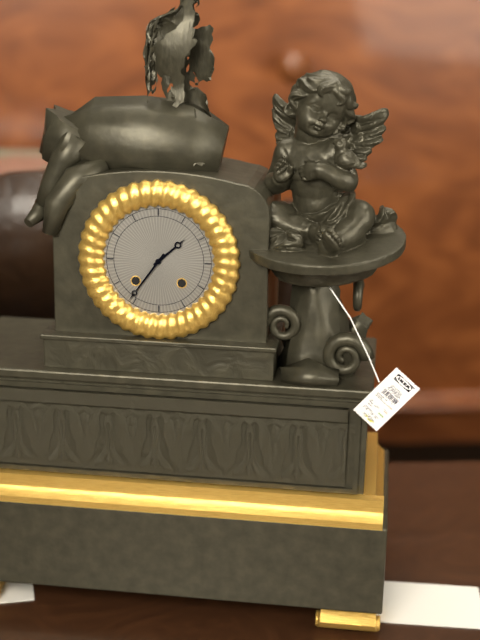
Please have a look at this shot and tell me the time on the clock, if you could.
1:36
